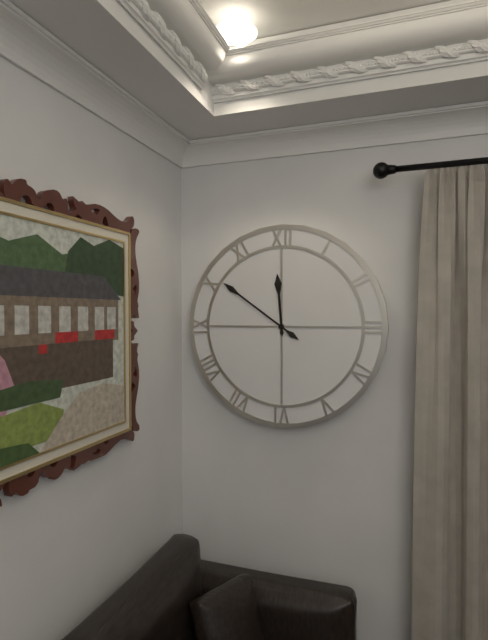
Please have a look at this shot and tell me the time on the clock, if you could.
11:51
